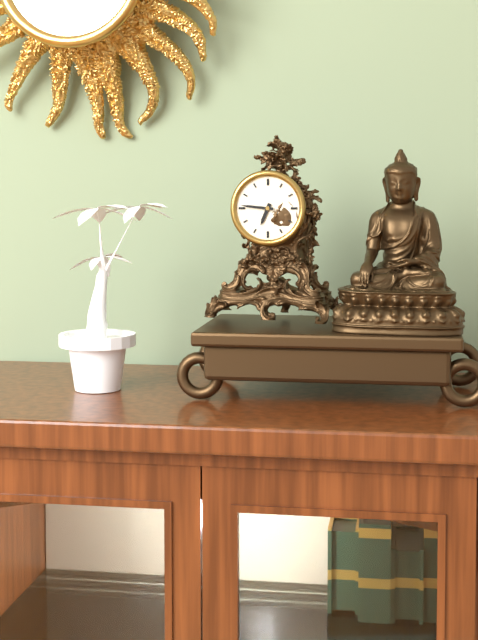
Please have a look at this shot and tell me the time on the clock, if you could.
6:46
